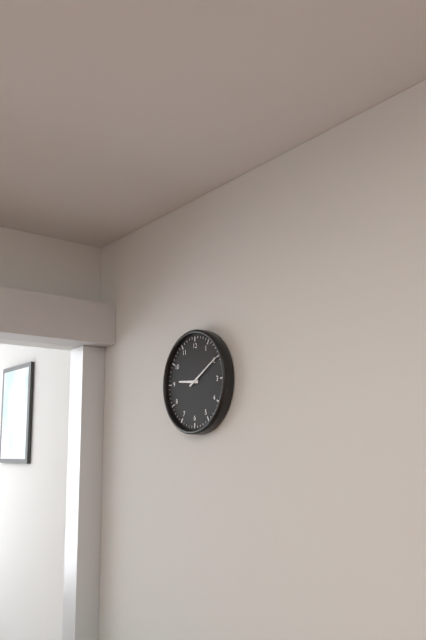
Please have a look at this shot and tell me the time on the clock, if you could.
9:10
